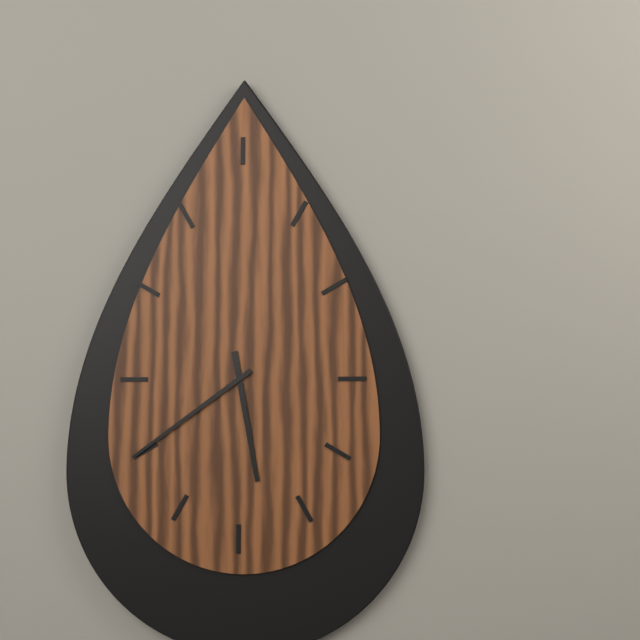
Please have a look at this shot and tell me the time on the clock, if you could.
5:39
